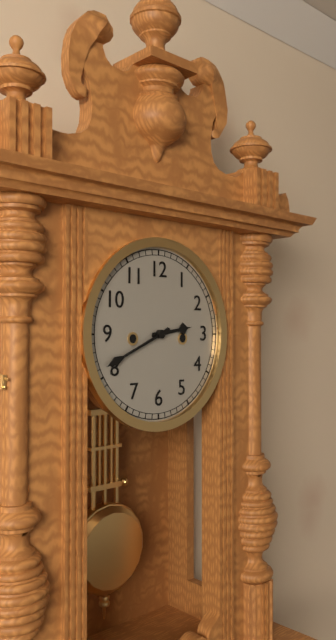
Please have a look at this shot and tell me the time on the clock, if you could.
2:41
